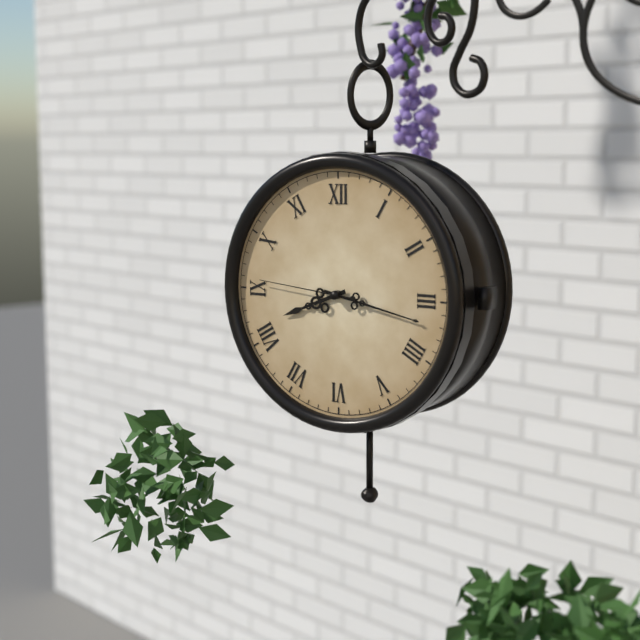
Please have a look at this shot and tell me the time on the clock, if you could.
8:17:46
